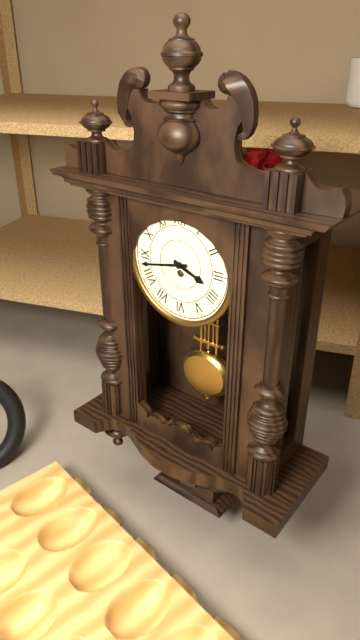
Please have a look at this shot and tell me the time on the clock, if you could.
3:43
